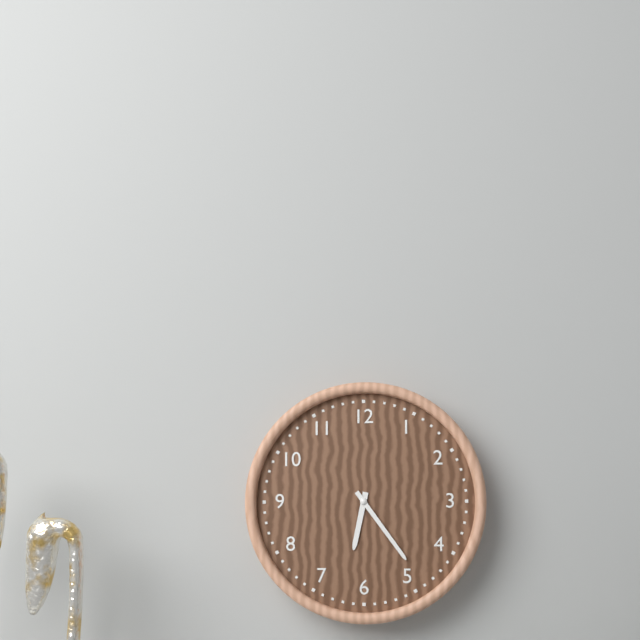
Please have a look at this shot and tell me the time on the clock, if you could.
6:24
